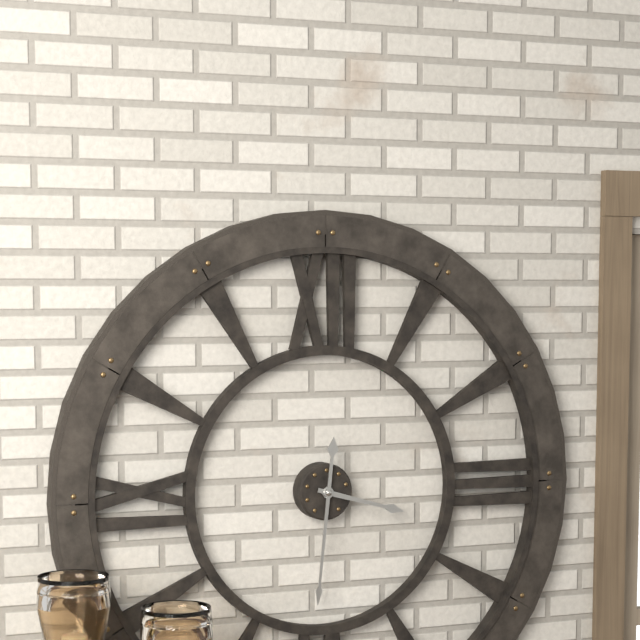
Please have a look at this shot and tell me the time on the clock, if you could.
3:31
